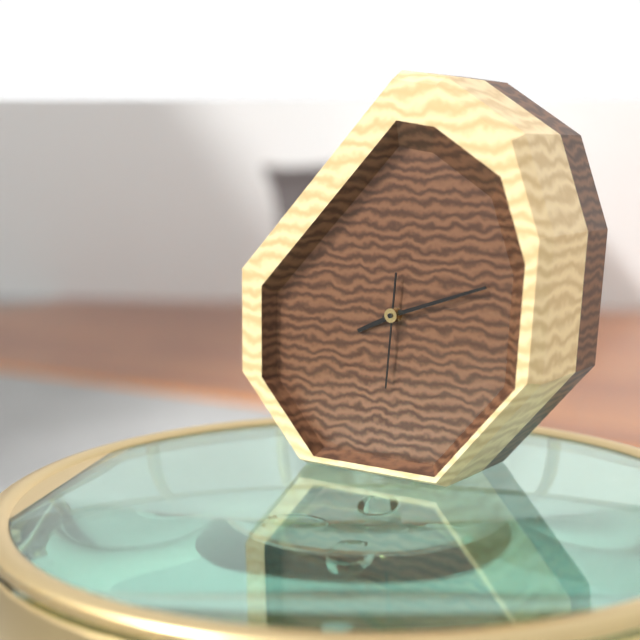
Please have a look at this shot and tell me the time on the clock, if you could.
8:12:31
